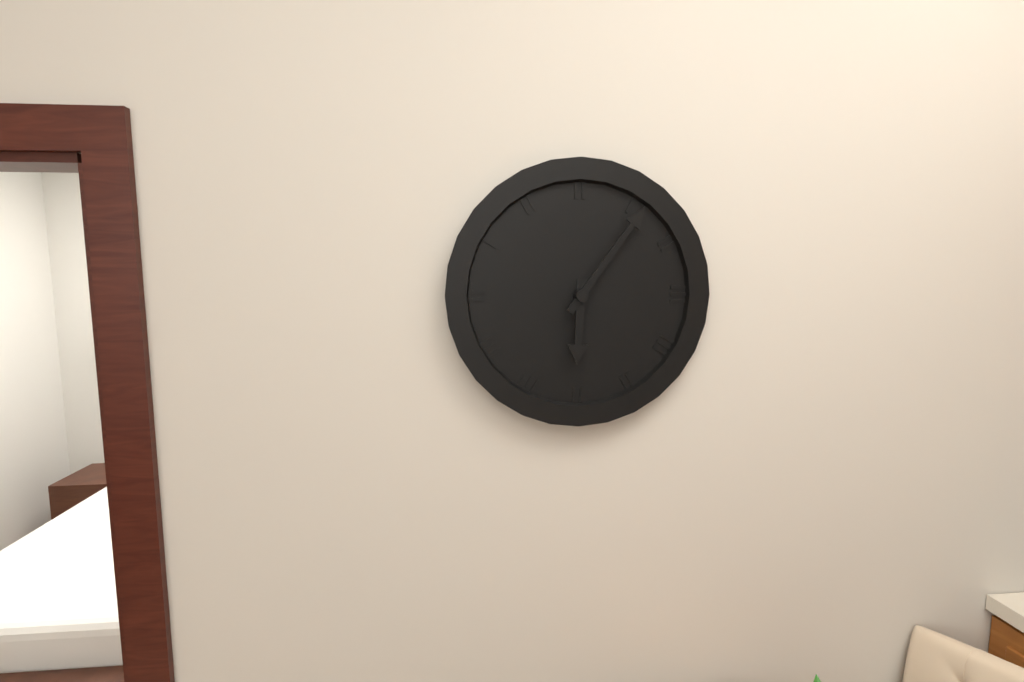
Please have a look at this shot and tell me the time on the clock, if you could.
6:06
